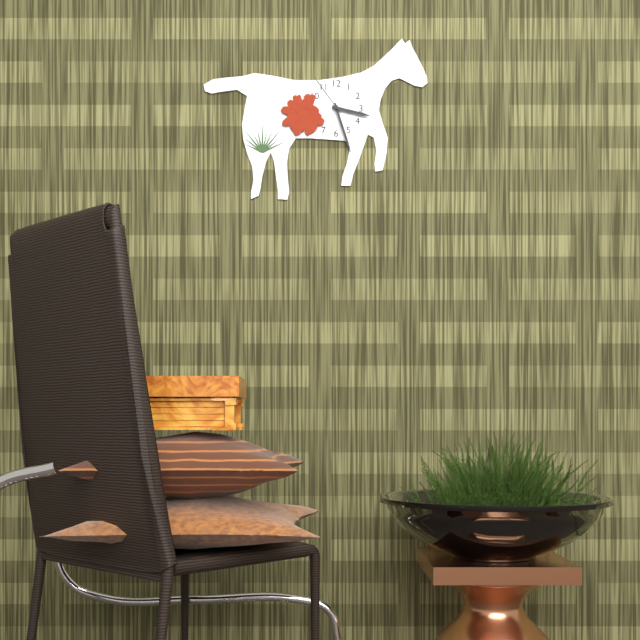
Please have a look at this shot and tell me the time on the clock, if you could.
3:27:54
